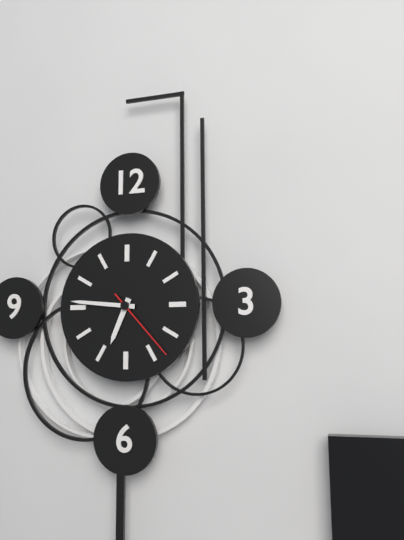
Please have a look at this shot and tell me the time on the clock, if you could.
6:46:23
